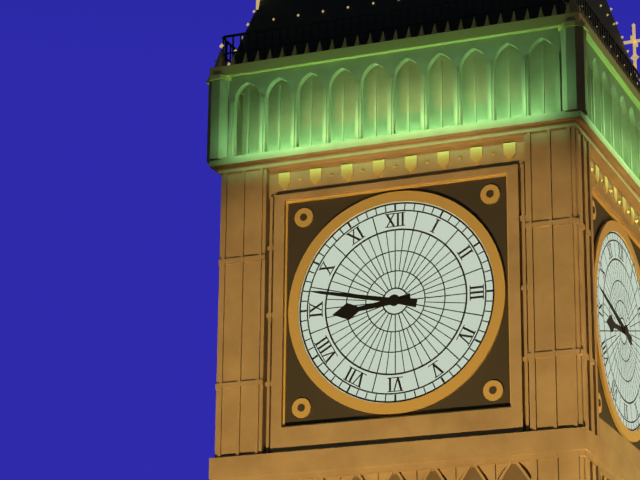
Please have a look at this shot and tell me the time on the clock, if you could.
8:47
